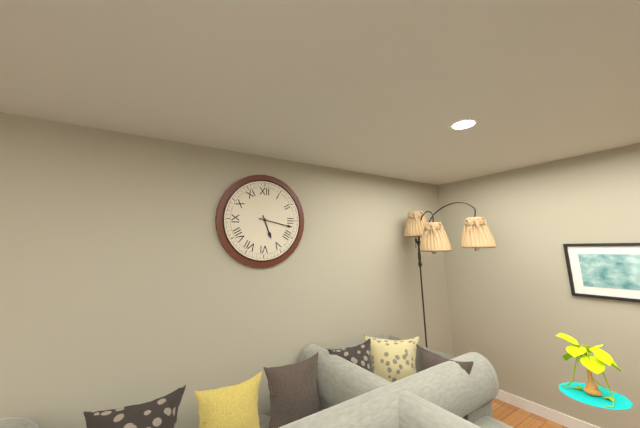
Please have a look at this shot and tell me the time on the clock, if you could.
5:17
